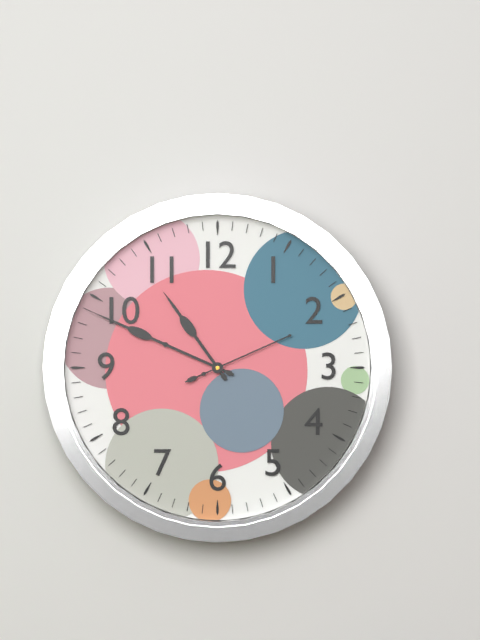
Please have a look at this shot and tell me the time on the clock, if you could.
10:49:11
